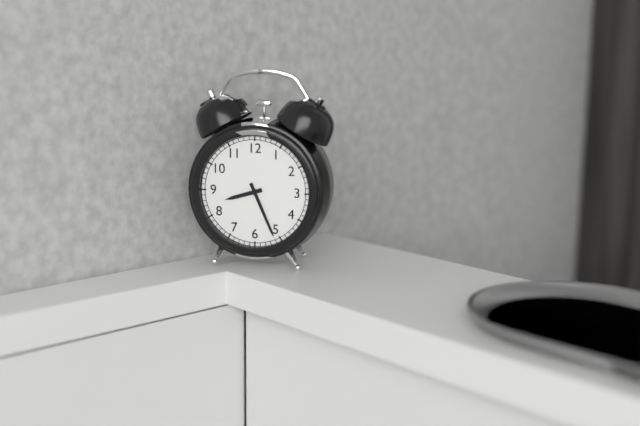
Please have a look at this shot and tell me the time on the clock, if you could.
8:26
